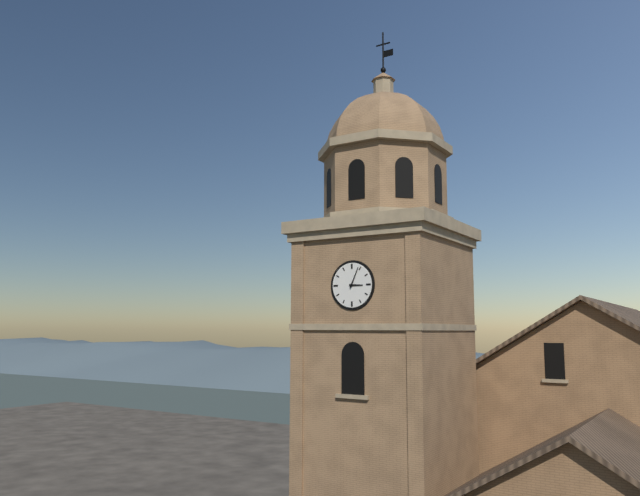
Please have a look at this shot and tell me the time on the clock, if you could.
3:04
